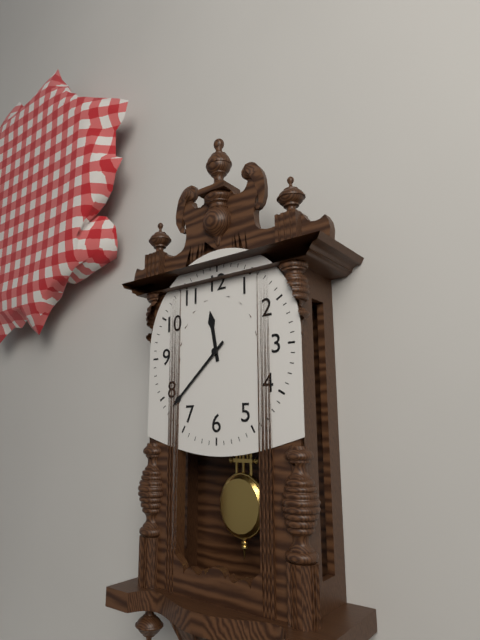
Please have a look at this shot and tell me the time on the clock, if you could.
11:38
